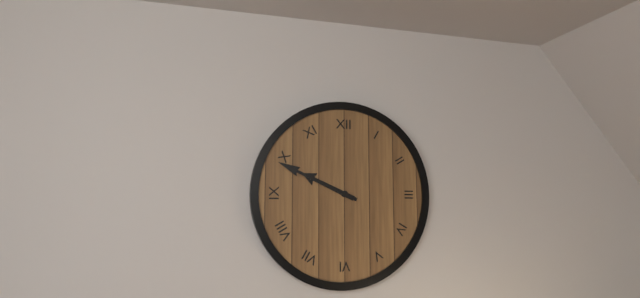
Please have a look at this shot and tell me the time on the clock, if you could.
9:49
